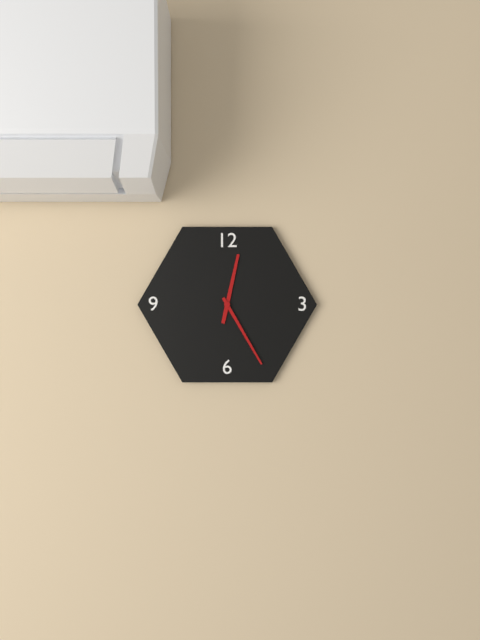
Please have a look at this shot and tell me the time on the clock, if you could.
12:25
